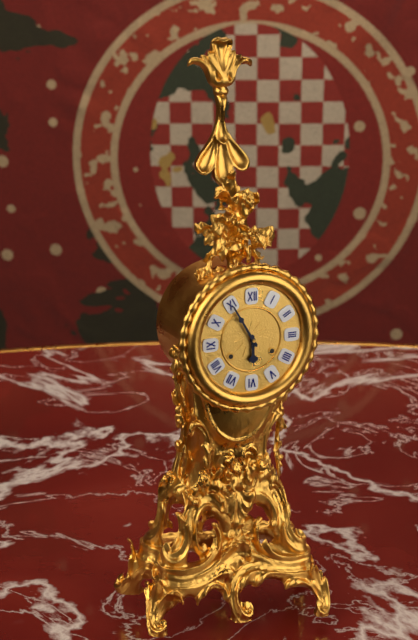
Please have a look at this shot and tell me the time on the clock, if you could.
5:55
